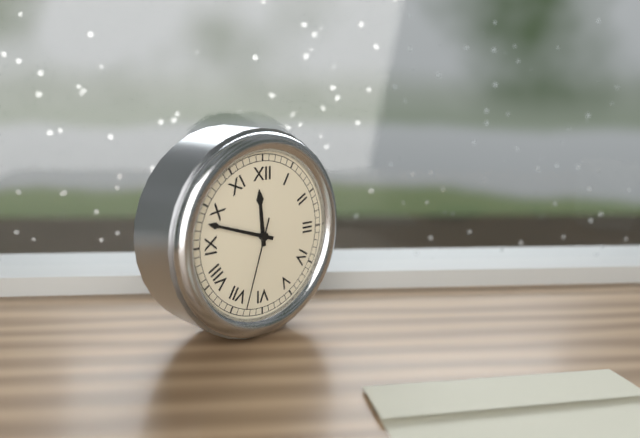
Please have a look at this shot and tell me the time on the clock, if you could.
11:48:33
